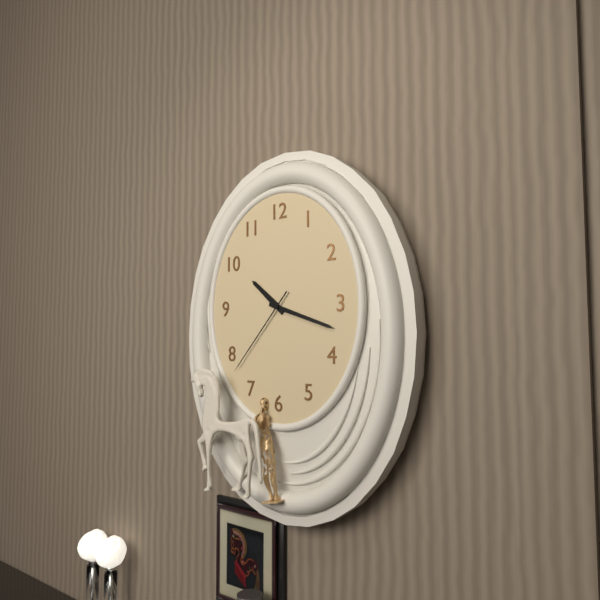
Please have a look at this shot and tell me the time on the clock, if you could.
10:18:37
